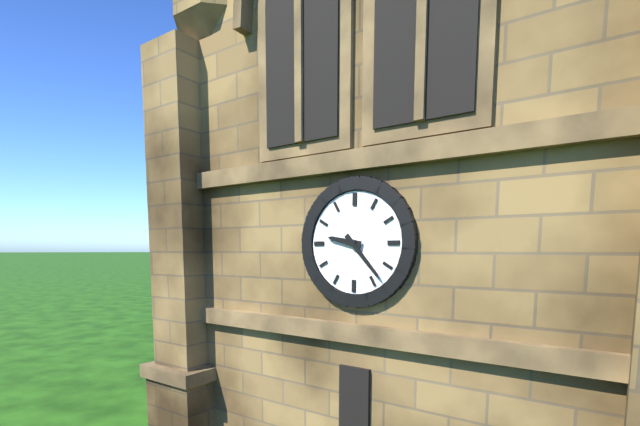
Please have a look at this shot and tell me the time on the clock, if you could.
9:23
